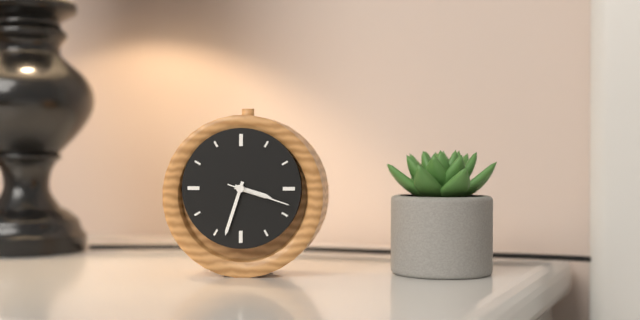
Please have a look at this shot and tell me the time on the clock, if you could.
3:33:18
